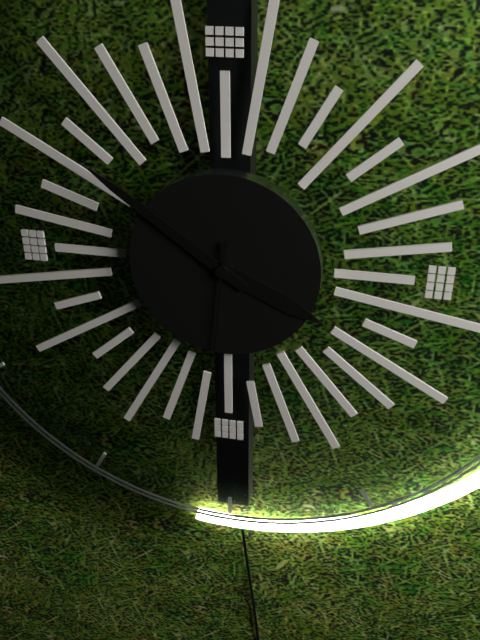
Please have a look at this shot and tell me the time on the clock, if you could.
3:51:31
